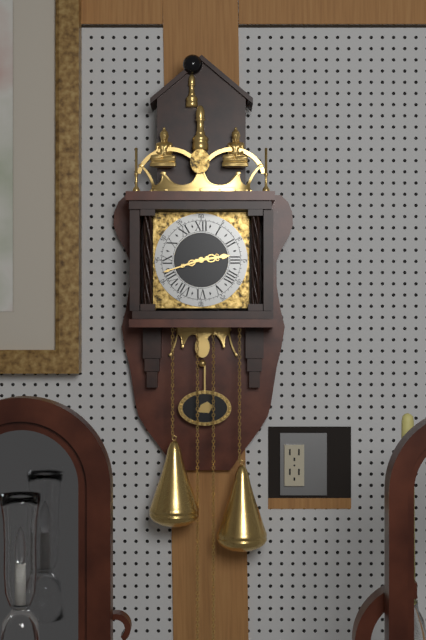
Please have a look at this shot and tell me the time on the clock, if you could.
2:42
